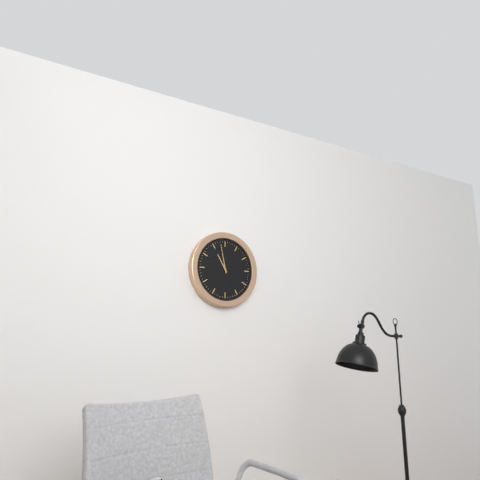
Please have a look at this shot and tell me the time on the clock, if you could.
10:58
